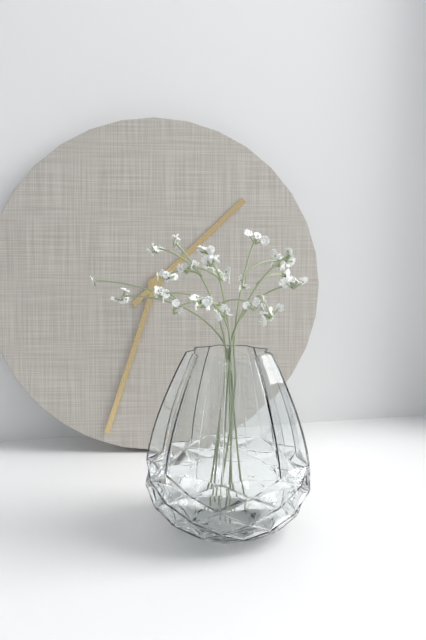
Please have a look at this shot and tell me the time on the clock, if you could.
1:33
